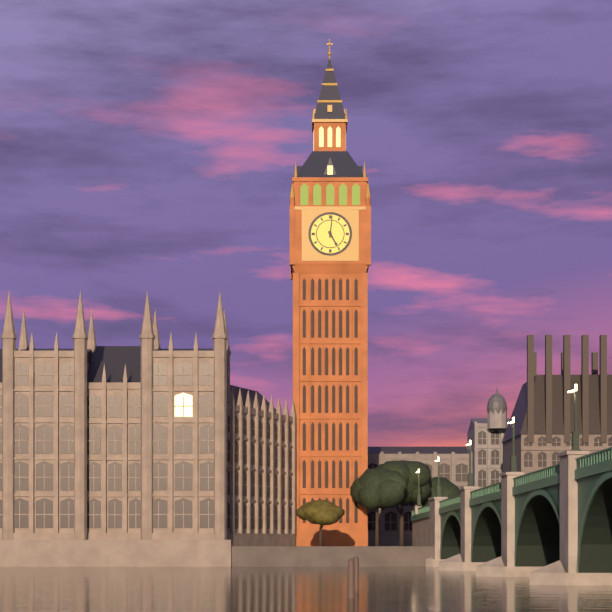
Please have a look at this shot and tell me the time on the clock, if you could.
5:01
